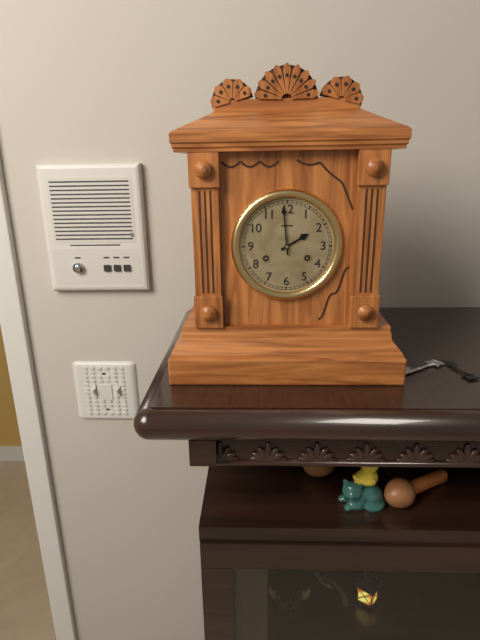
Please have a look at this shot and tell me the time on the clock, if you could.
1:59
